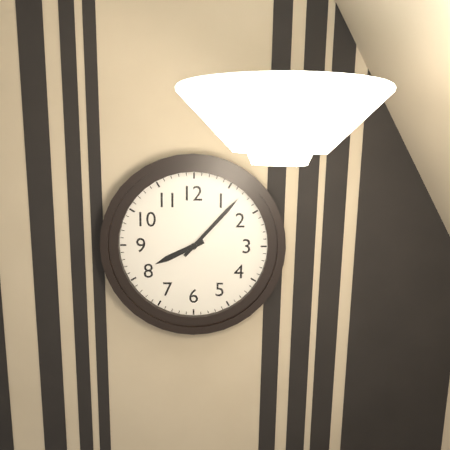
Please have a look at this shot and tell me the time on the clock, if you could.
8:07
